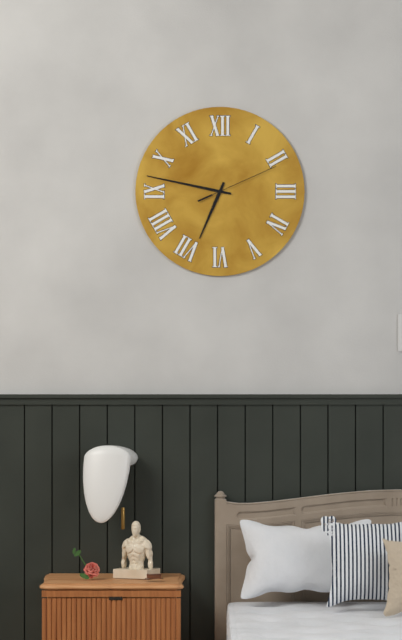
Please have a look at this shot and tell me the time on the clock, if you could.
6:47:11
